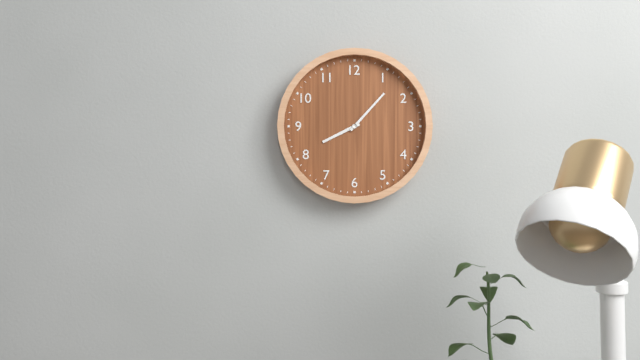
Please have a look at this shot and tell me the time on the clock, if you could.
8:07
